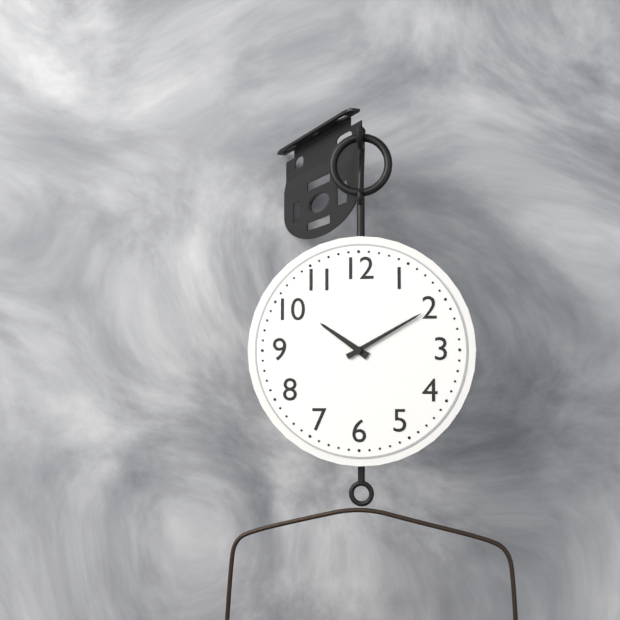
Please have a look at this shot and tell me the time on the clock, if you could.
10:10
